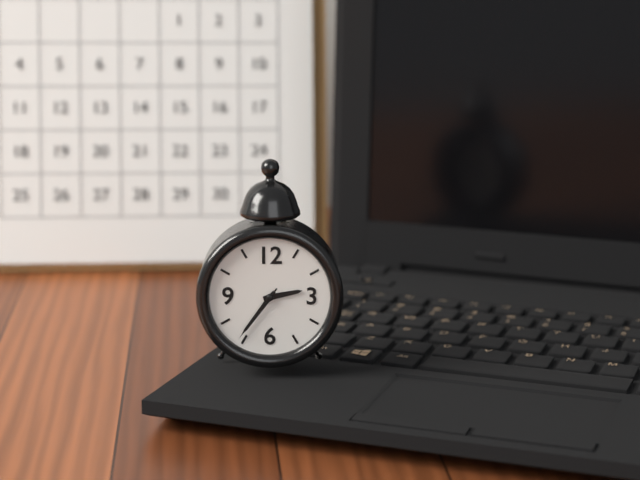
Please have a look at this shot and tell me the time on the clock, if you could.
2:36:36
